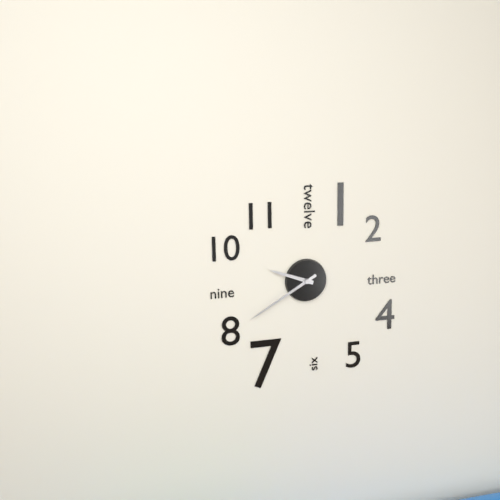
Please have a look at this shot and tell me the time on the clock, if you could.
9:40
